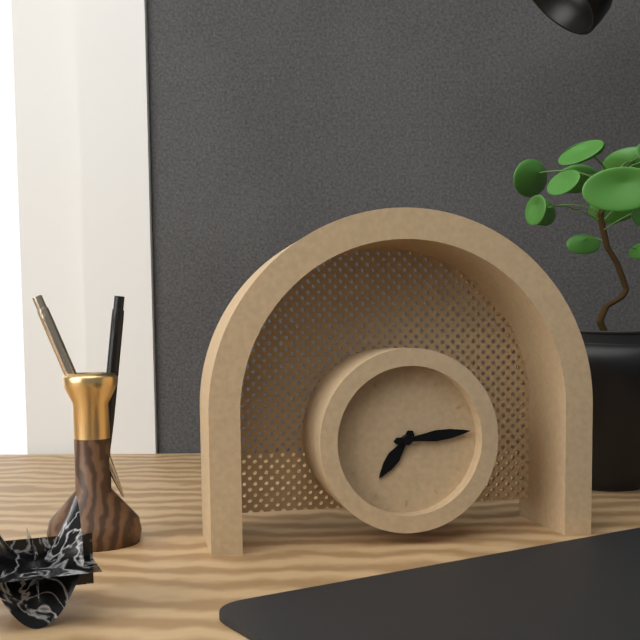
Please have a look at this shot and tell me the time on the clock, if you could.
7:14
